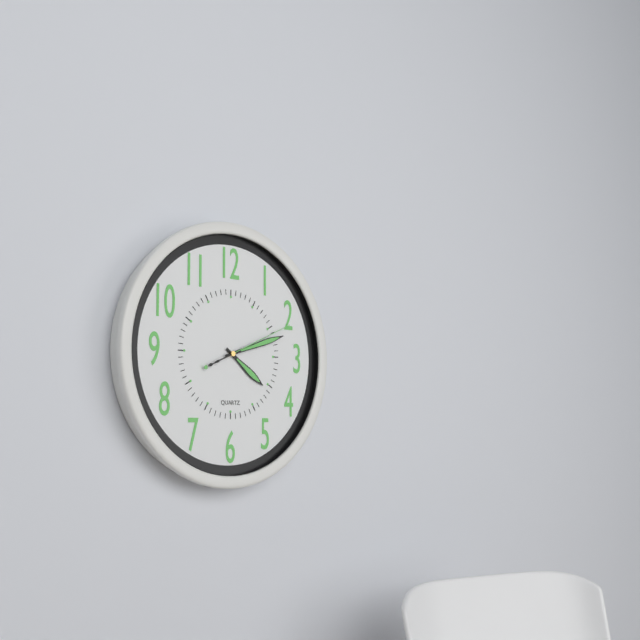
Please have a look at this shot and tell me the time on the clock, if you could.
4:12:11
